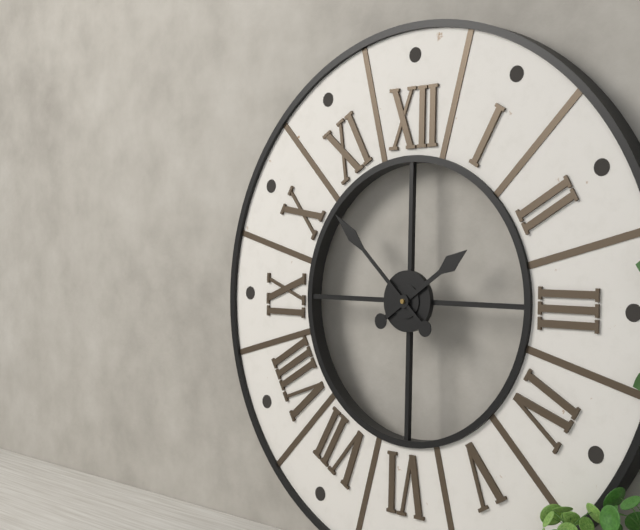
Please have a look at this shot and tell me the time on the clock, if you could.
1:52
